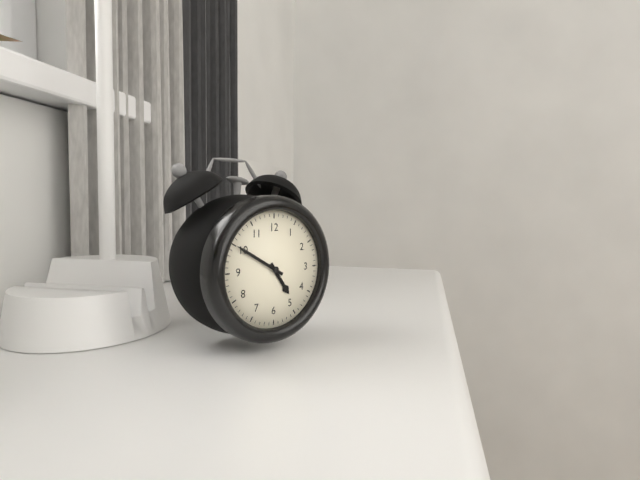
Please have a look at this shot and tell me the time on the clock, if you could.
4:50
